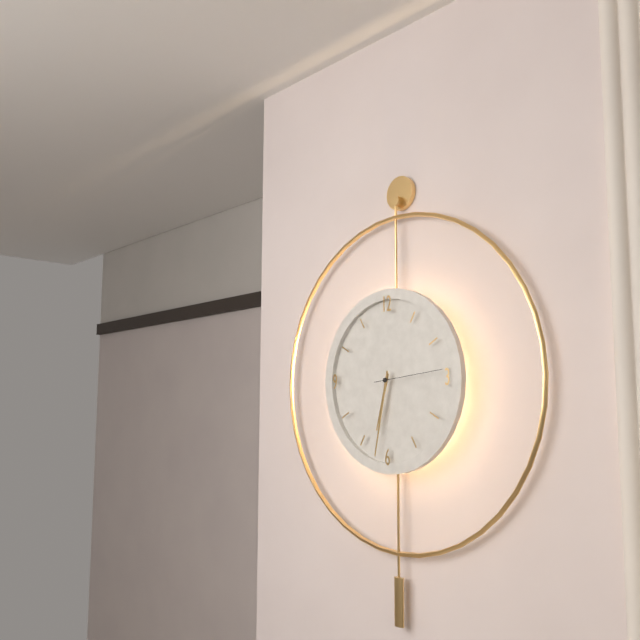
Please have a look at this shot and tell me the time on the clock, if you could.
6:32:14
